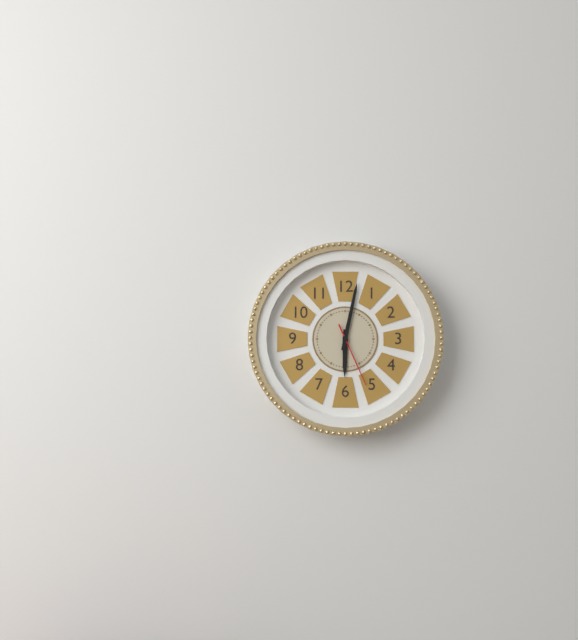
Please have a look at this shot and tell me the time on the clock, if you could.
6:02:26
